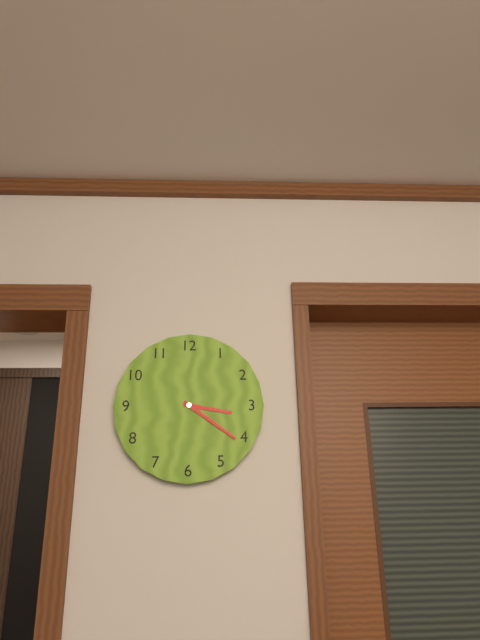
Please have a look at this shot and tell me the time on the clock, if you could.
3:21
